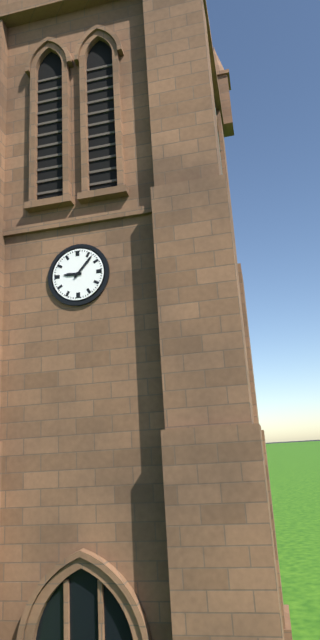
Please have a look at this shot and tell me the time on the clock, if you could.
9:07
